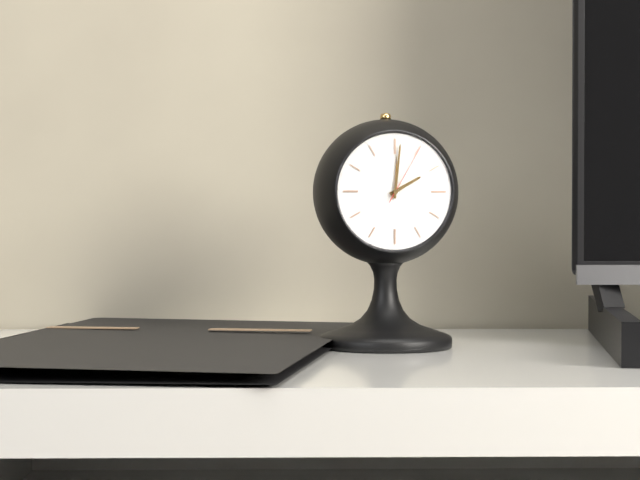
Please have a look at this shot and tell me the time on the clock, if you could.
2:01:05
